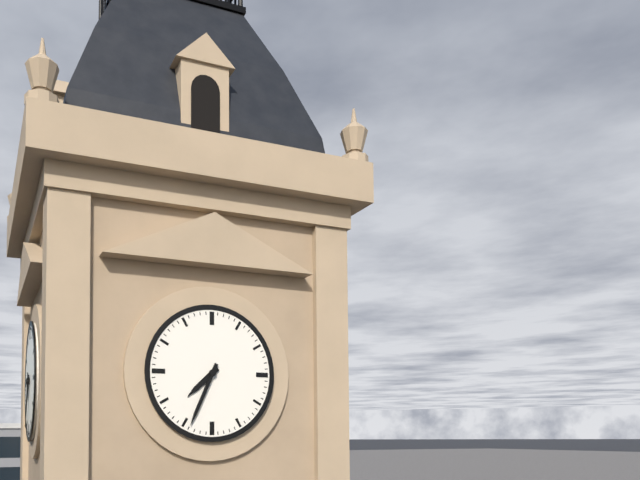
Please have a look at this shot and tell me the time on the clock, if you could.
7:34
